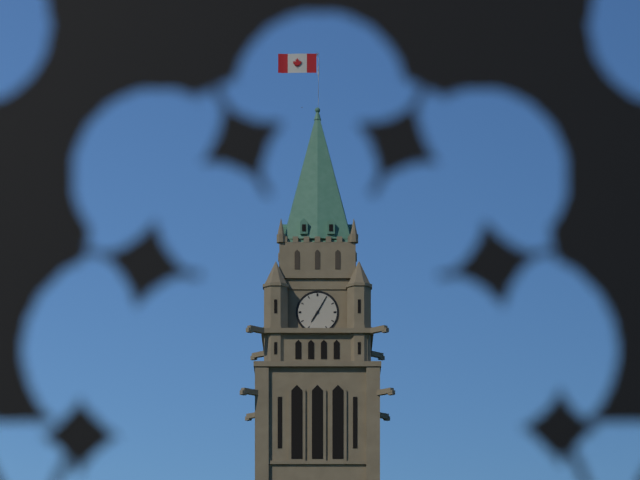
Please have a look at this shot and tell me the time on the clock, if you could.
7:05
